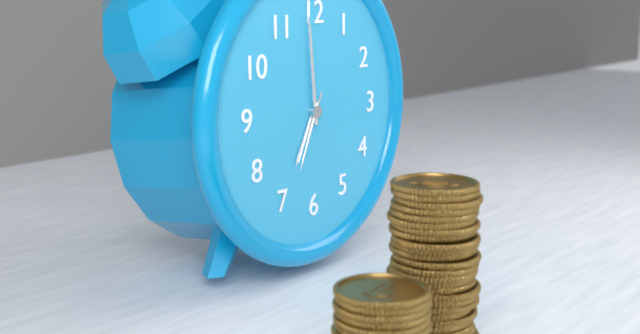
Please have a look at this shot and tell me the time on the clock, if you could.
6:59:34
